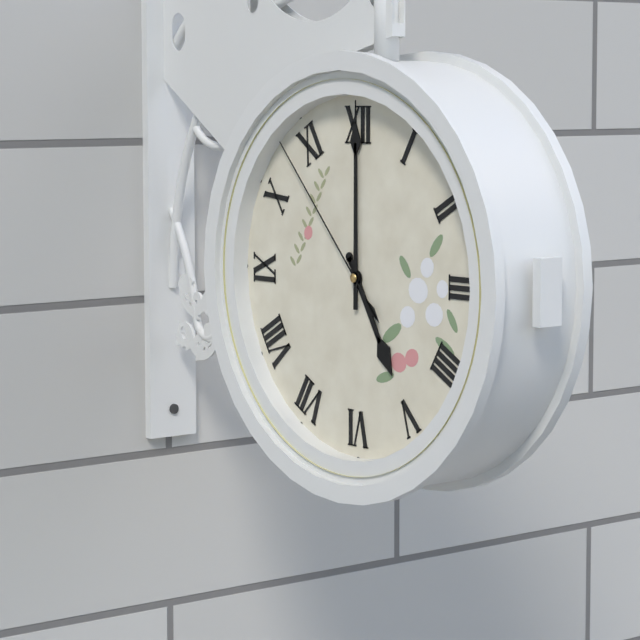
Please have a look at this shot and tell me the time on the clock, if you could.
5:00:53
